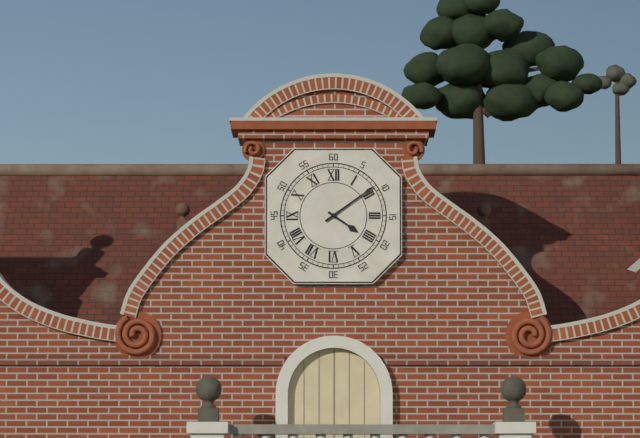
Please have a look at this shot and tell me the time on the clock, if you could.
4:09
